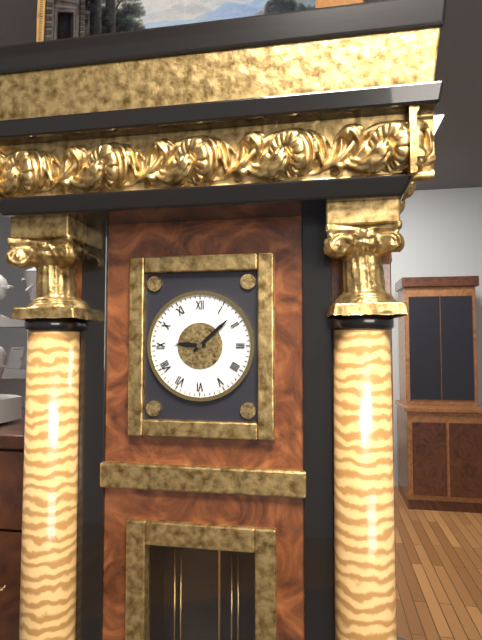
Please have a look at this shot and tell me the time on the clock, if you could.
9:08
